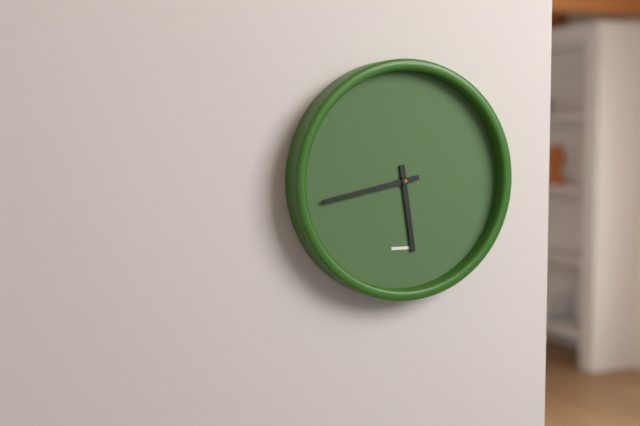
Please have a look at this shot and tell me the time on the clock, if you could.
5:43
